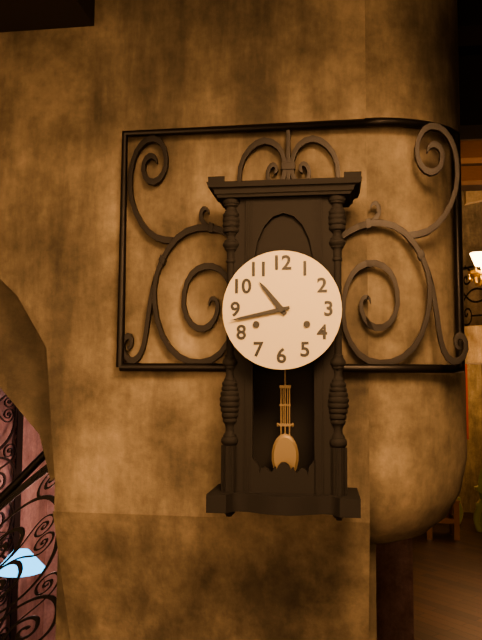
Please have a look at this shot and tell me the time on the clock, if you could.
10:43
